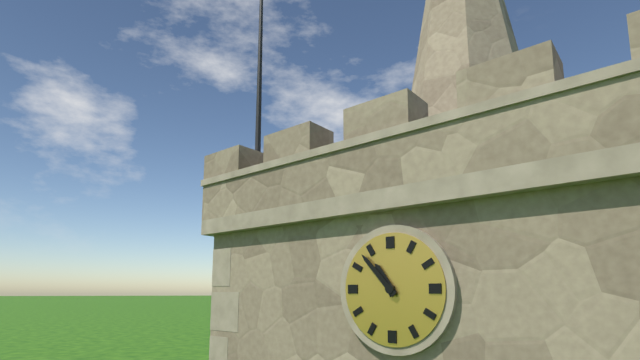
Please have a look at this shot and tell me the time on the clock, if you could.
10:53
